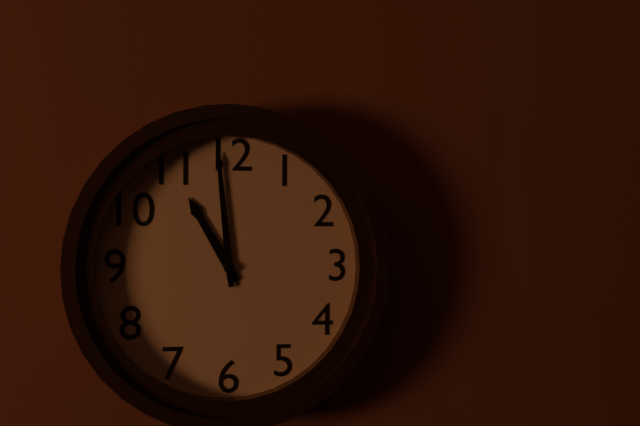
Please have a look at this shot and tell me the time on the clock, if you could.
10:59
